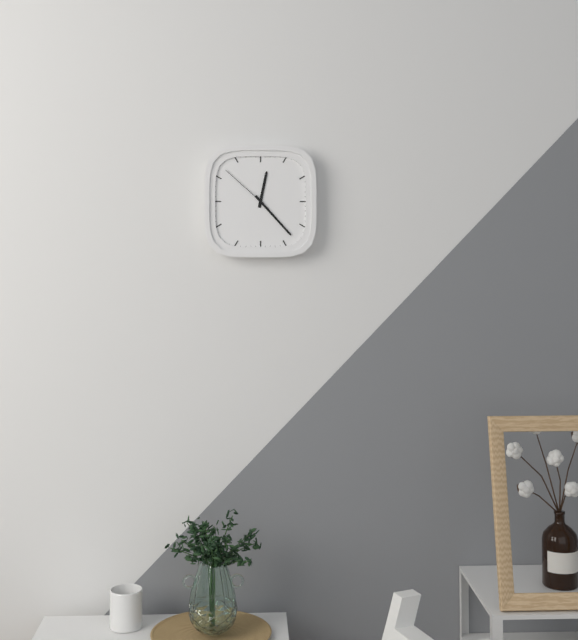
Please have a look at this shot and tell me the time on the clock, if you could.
12:23:52
